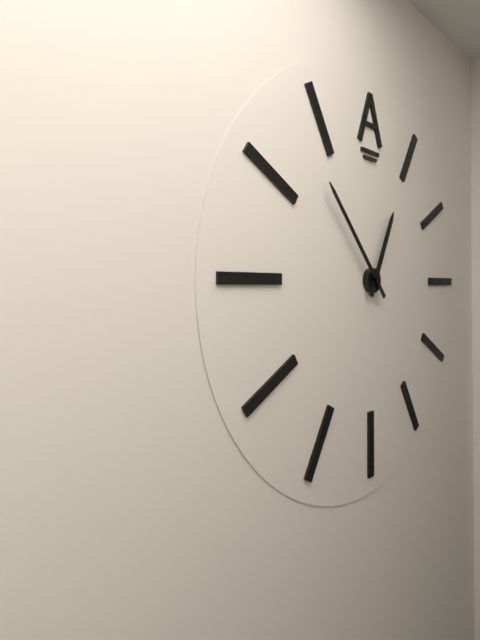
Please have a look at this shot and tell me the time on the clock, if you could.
12:53
